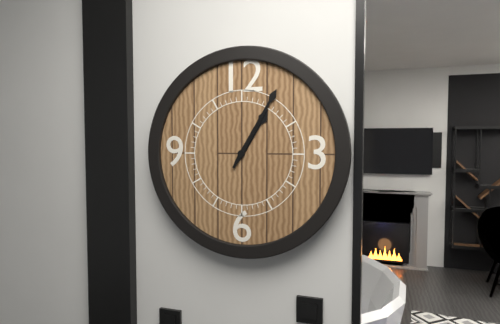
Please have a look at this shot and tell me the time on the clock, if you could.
1:05
